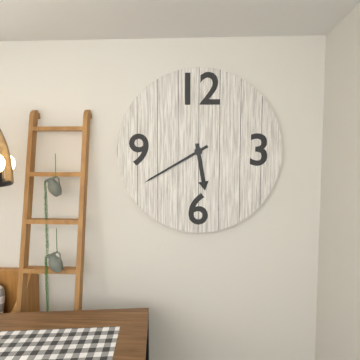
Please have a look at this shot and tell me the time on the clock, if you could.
5:40
